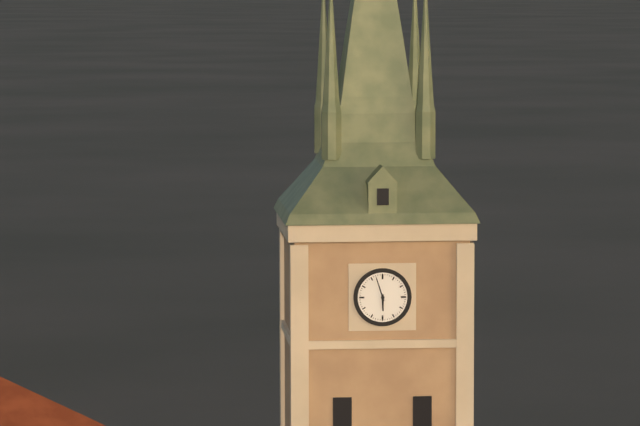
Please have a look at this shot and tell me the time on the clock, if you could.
5:57
